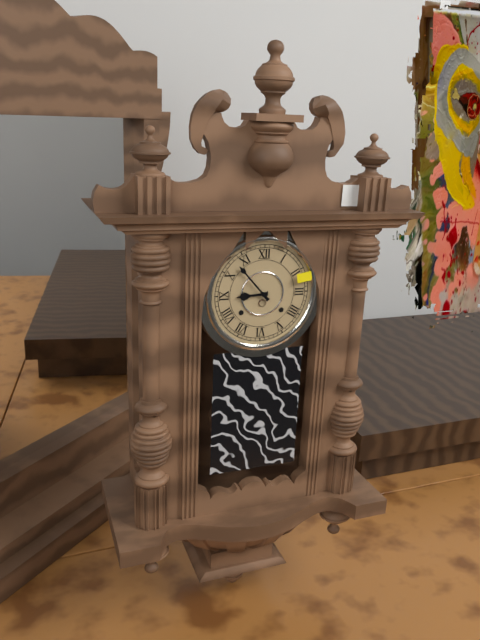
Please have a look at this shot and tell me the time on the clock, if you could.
8:53
